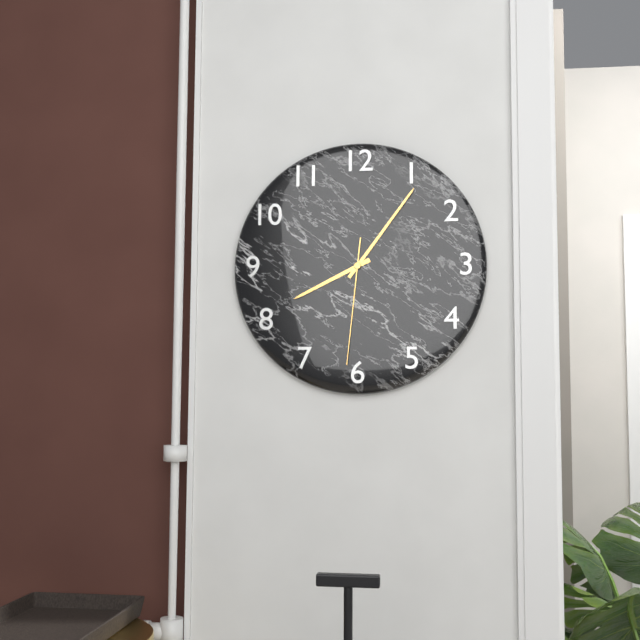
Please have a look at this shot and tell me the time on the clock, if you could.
8:06:31
